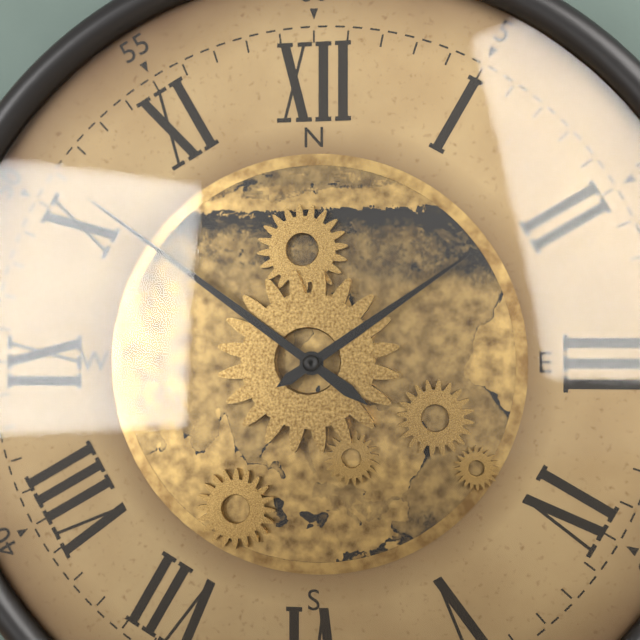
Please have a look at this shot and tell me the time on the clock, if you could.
1:51
